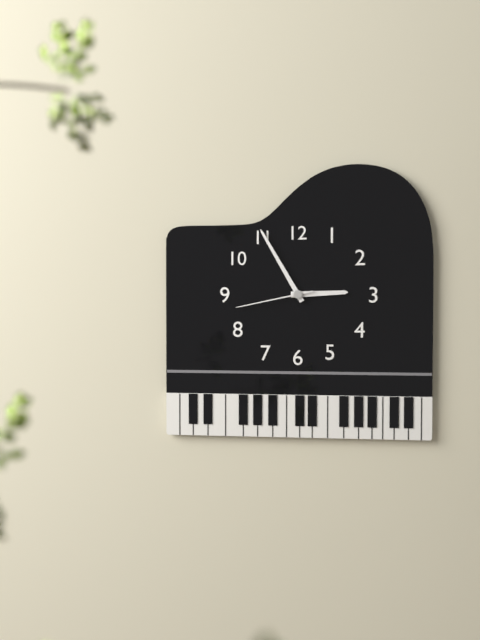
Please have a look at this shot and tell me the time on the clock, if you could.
2:55:43
